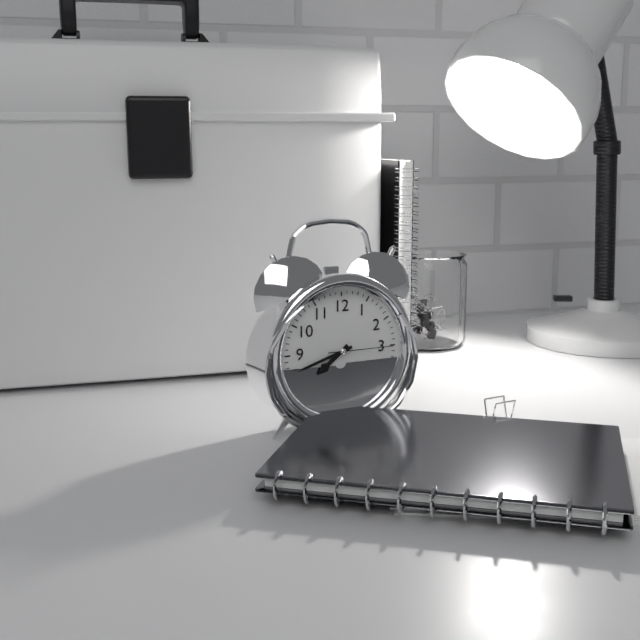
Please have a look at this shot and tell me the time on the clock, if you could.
7:42:15
